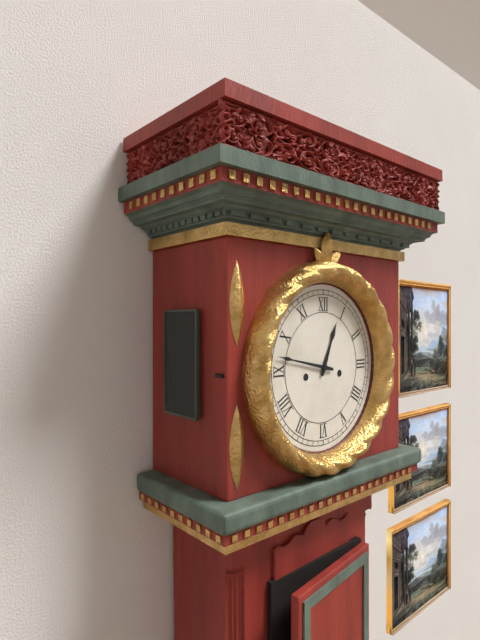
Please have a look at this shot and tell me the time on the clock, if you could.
12:47
